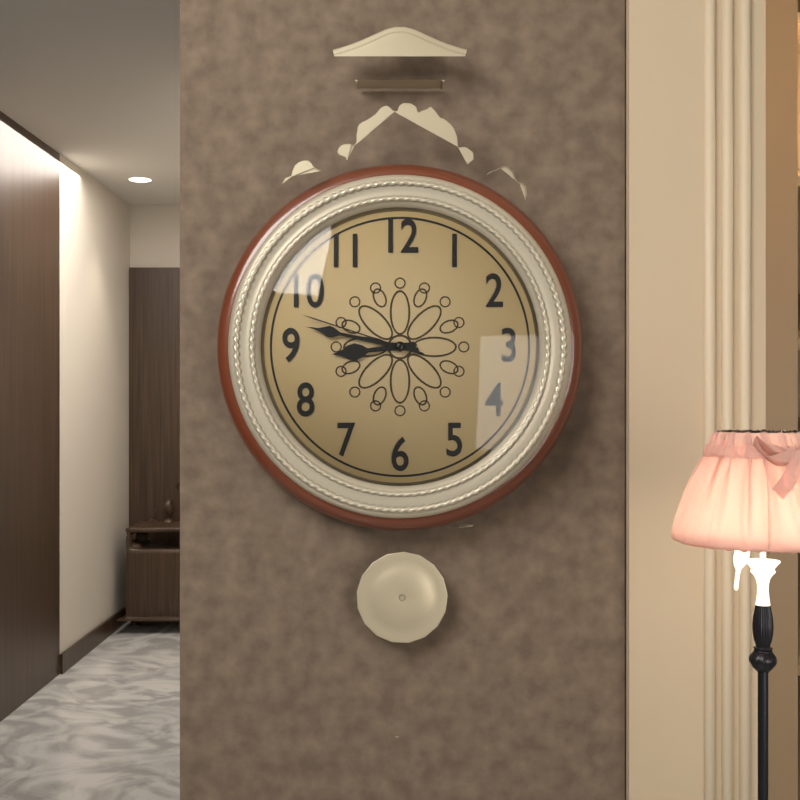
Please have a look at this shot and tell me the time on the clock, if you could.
8:47:48
